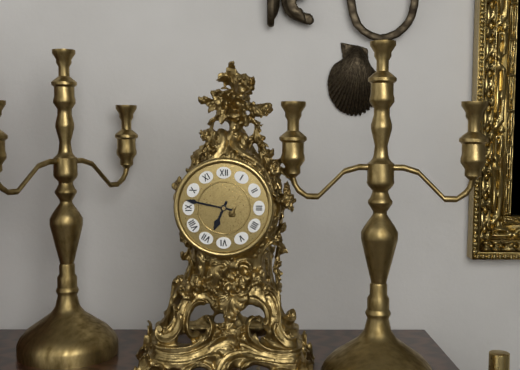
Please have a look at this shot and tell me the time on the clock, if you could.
6:47
